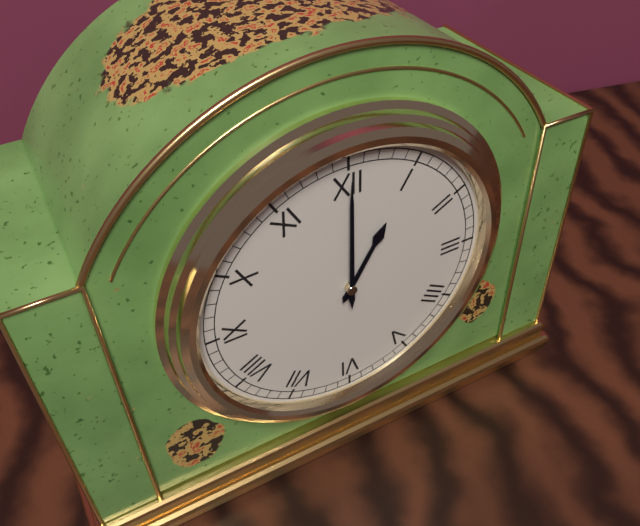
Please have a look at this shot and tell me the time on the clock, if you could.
1:00
